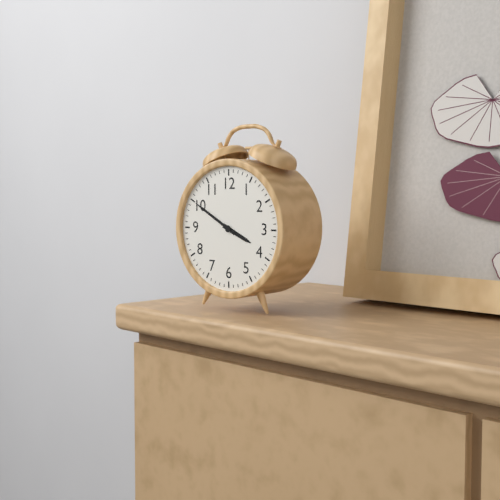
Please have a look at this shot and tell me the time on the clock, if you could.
3:50
